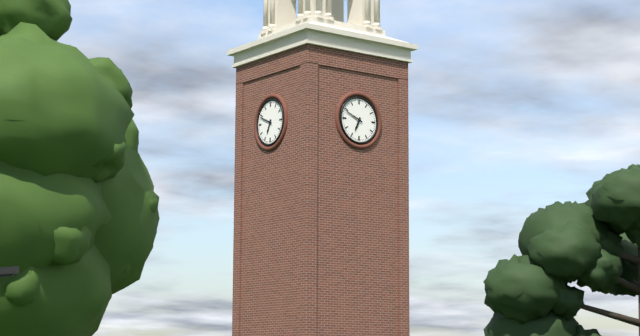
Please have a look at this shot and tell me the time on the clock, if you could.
6:49
